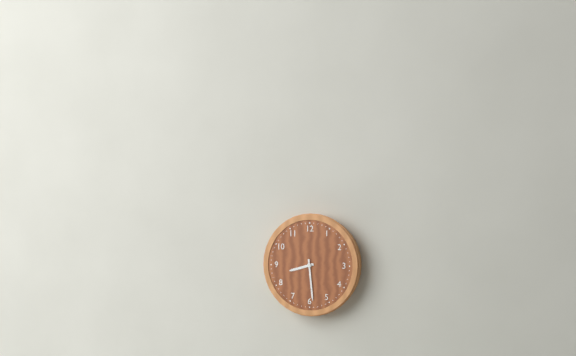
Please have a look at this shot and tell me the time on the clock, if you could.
8:29
